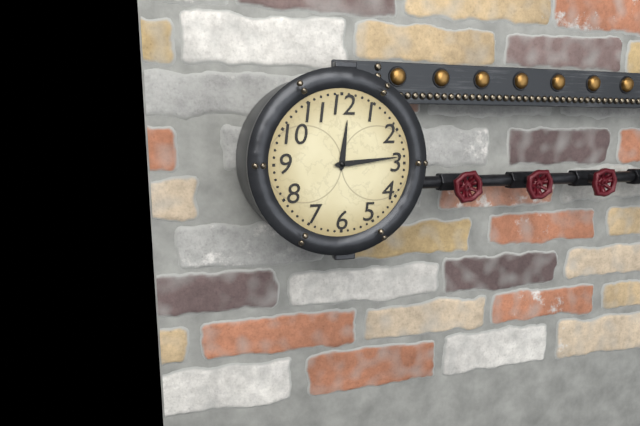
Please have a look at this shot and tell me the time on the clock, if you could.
12:14
